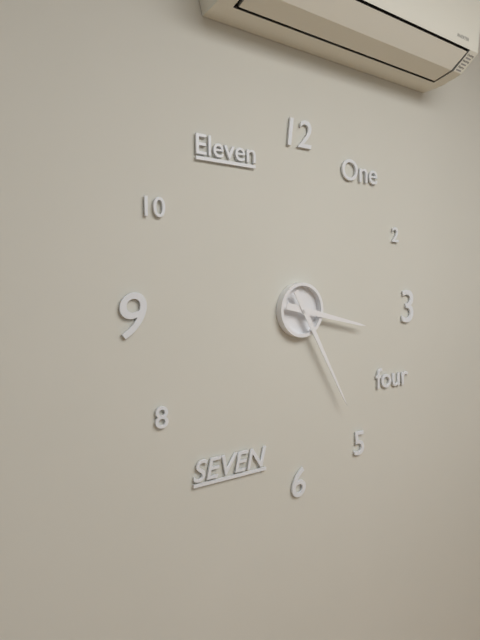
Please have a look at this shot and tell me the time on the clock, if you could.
3:25
